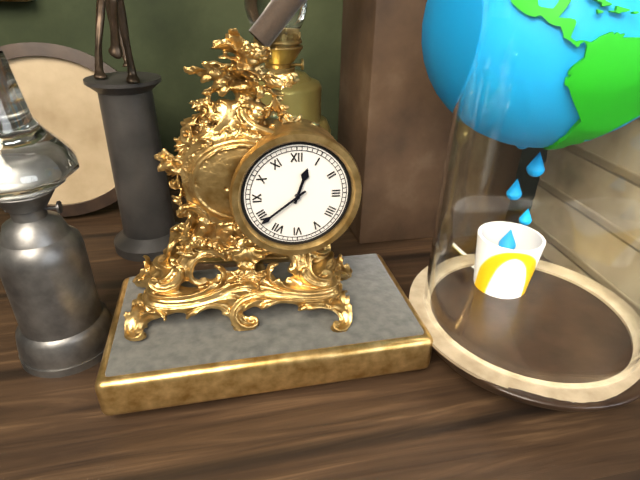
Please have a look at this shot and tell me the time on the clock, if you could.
12:39
